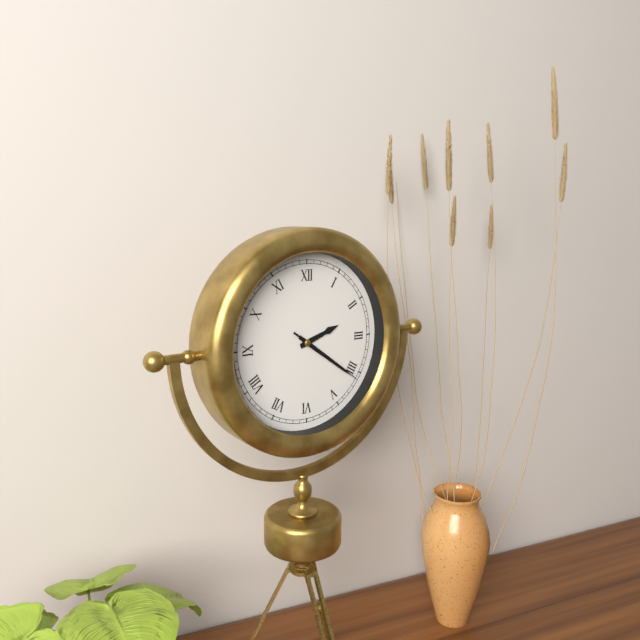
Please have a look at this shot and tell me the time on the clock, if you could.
2:21:21
